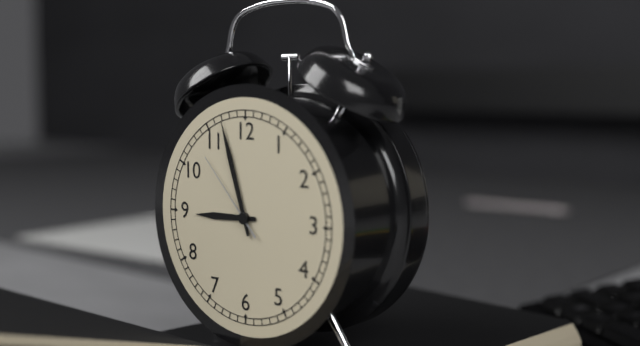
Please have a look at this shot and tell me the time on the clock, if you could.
8:57:53
